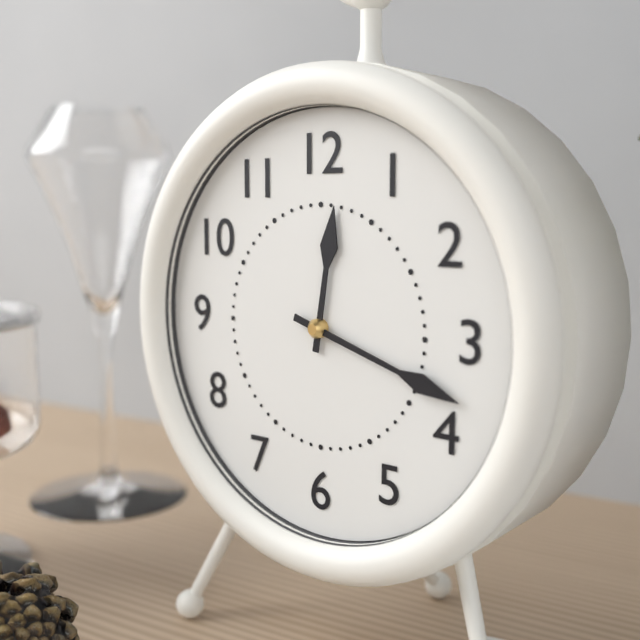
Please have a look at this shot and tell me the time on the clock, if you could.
12:18
